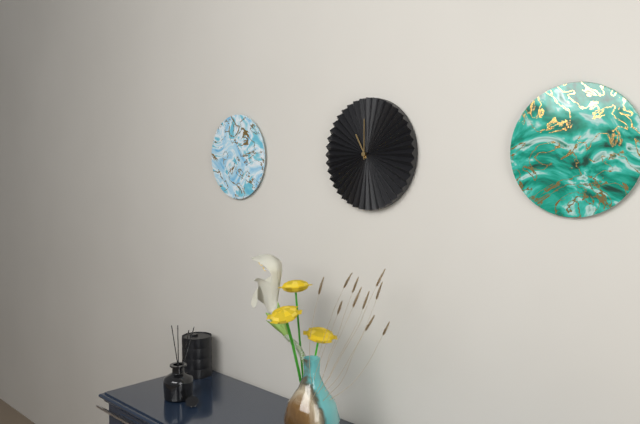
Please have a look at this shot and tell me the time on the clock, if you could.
11:00
